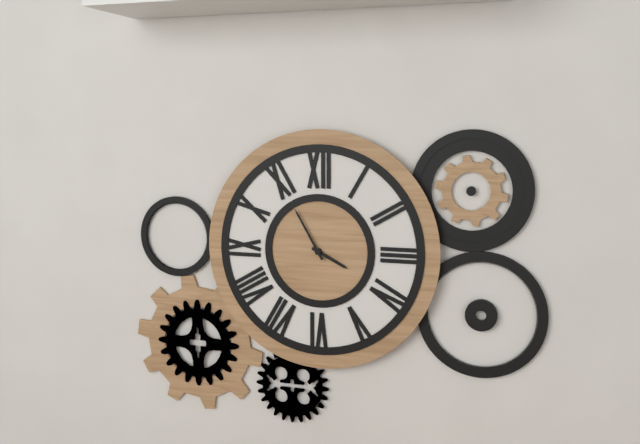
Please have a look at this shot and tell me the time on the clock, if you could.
3:55
